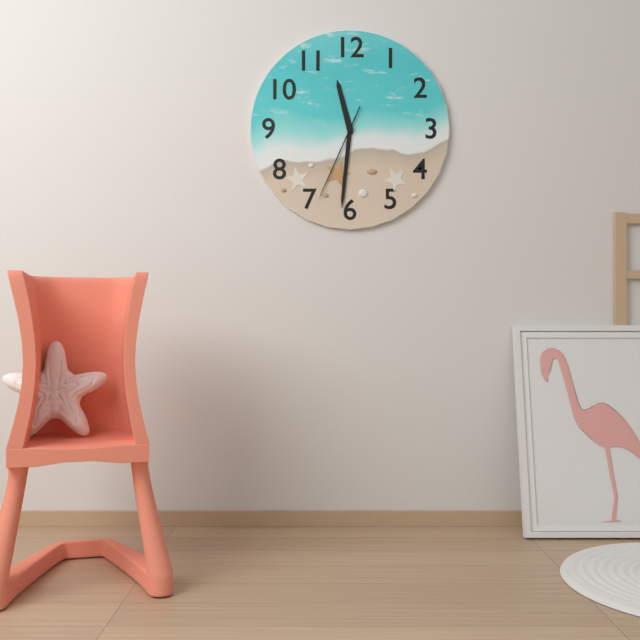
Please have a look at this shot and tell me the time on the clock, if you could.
11:31:34
